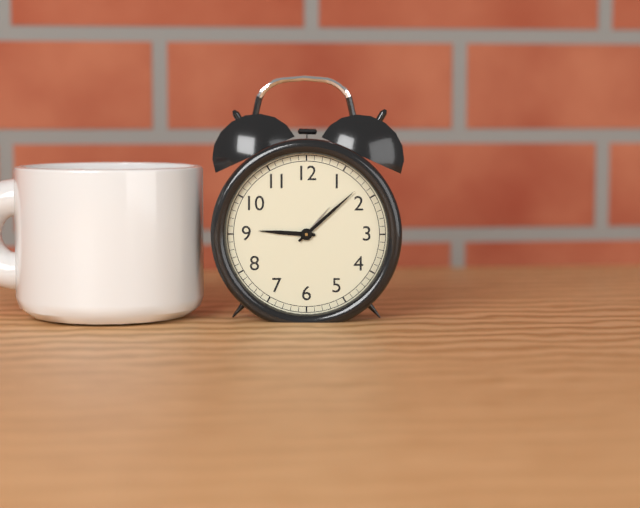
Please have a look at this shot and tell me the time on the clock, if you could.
9:08
